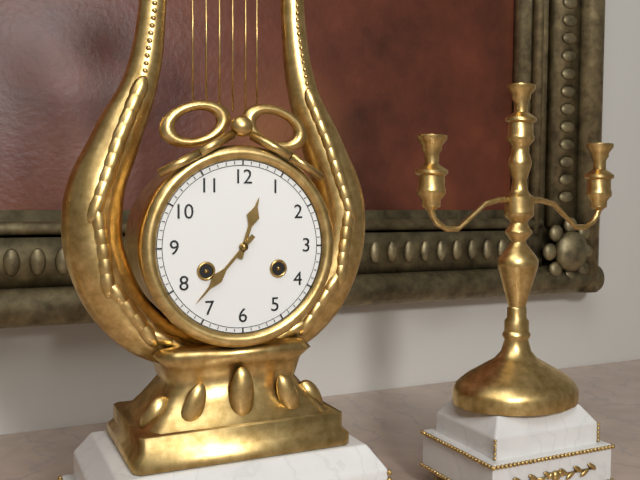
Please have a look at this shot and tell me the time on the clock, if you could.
12:37
